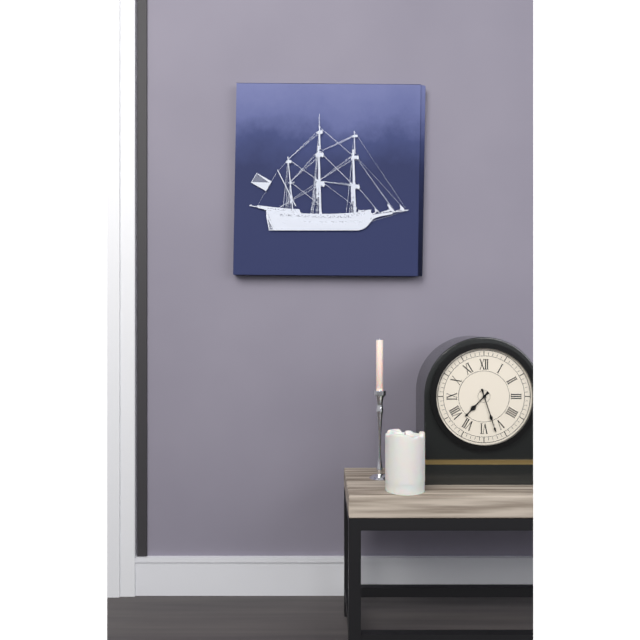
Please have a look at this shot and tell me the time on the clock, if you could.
7:27
